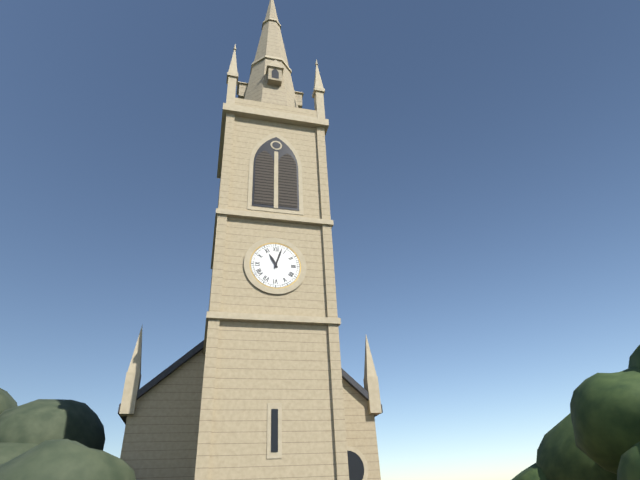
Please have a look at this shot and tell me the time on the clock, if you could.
11:03
